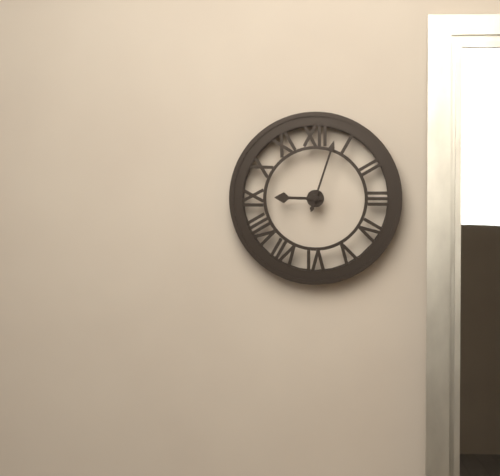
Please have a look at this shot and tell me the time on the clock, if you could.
9:03
